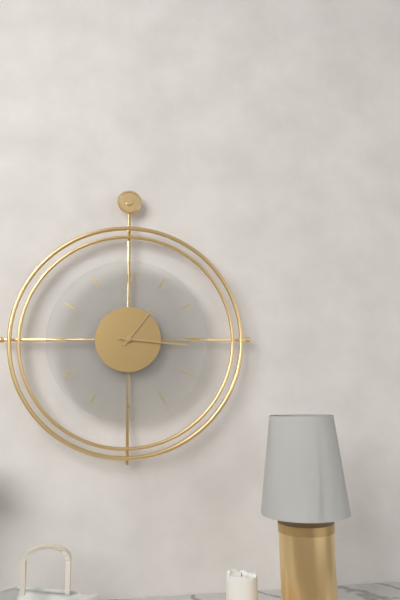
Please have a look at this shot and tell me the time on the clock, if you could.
1:16
